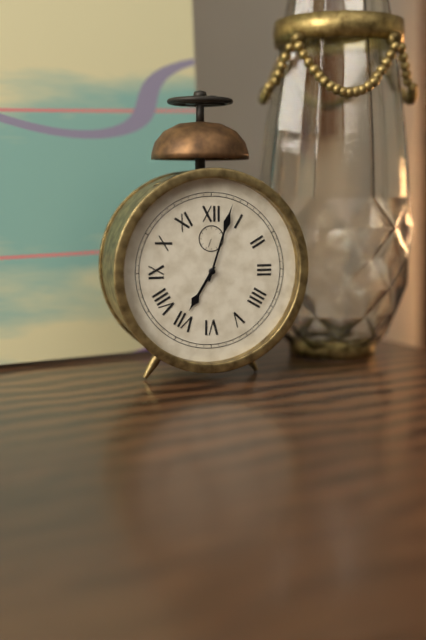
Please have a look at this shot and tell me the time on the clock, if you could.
7:03
